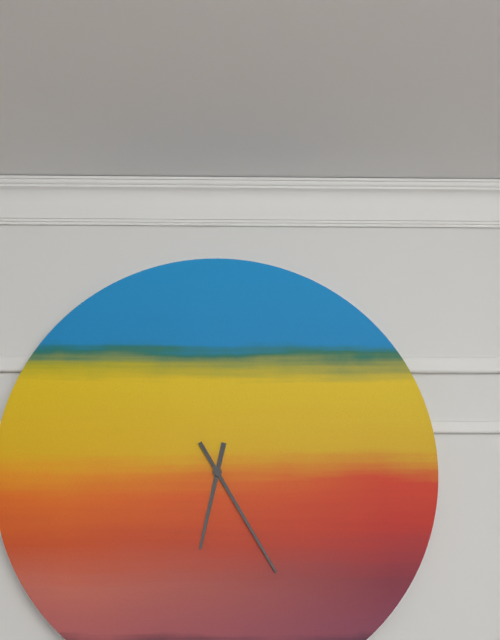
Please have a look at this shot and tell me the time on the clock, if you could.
6:25
